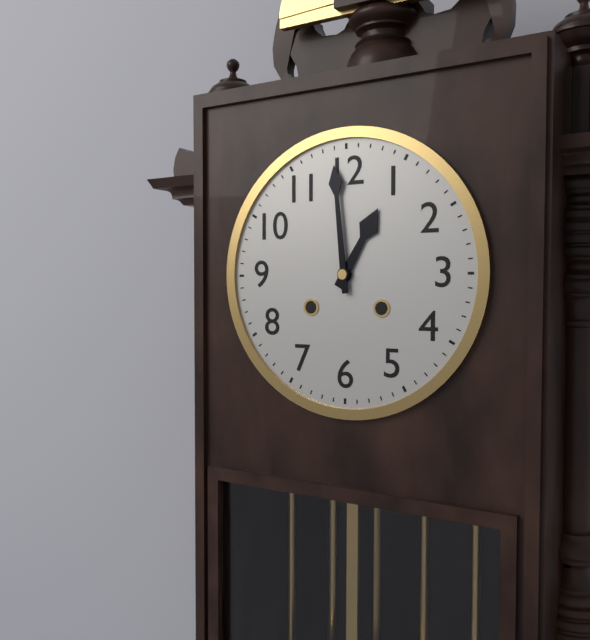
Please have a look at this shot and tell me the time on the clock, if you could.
12:59
